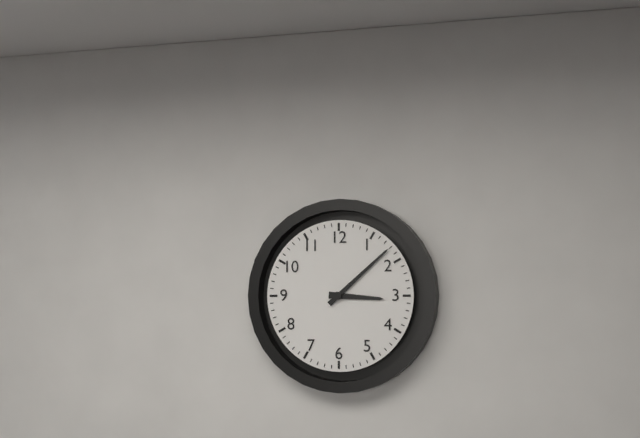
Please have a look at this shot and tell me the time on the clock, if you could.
3:08
